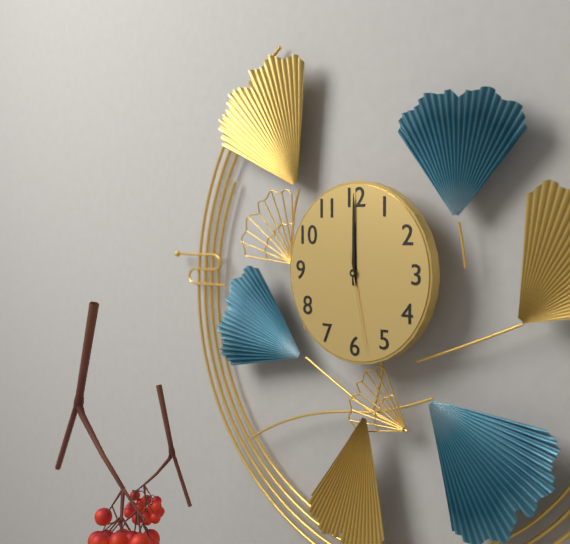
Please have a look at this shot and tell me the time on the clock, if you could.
12:00:28
